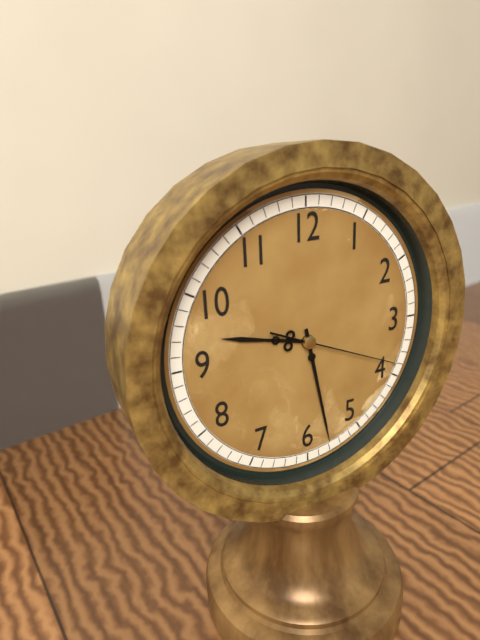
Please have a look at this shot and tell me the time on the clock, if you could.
9:28:19
